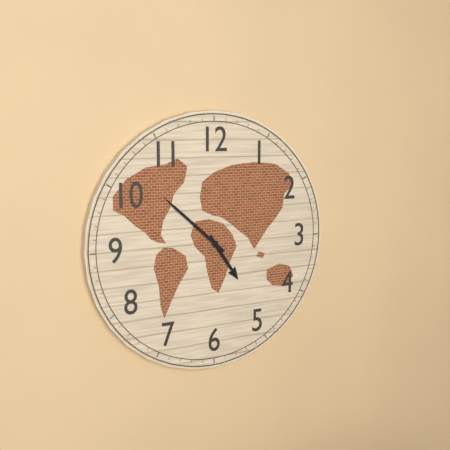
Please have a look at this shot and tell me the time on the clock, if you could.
4:52
